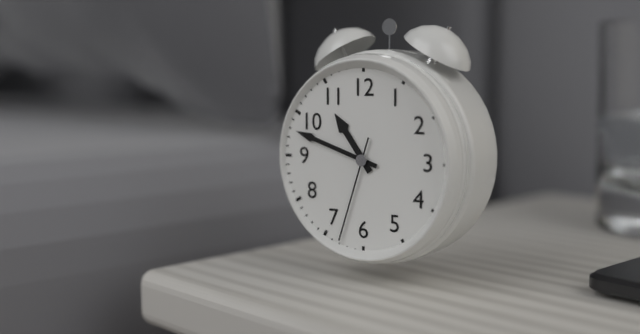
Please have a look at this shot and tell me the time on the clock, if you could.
10:48:33
